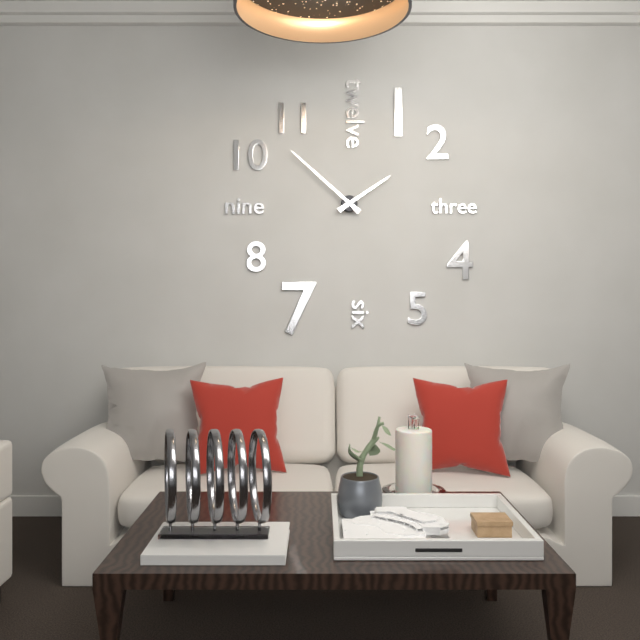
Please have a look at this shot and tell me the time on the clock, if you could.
1:52
